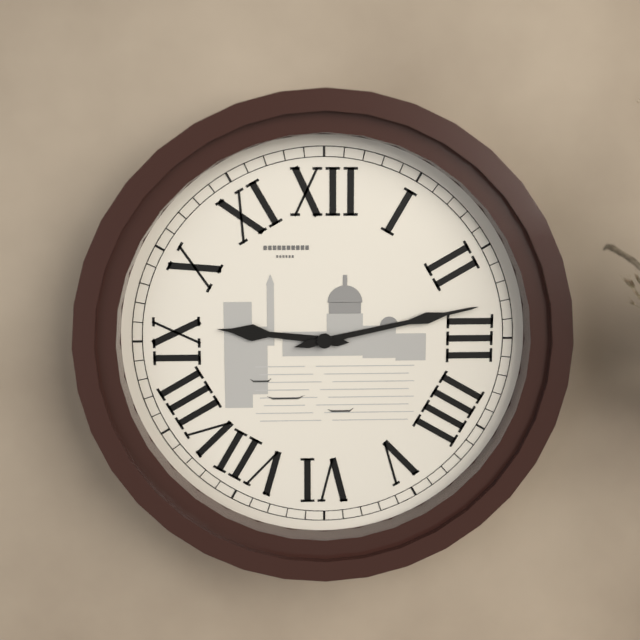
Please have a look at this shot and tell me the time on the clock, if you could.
9:13
